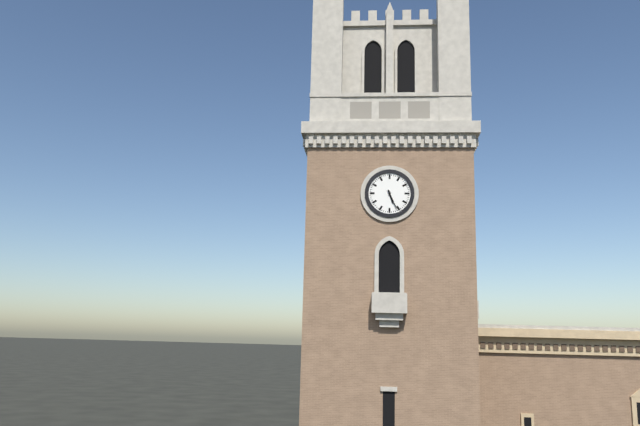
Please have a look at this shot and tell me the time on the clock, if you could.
5:26
